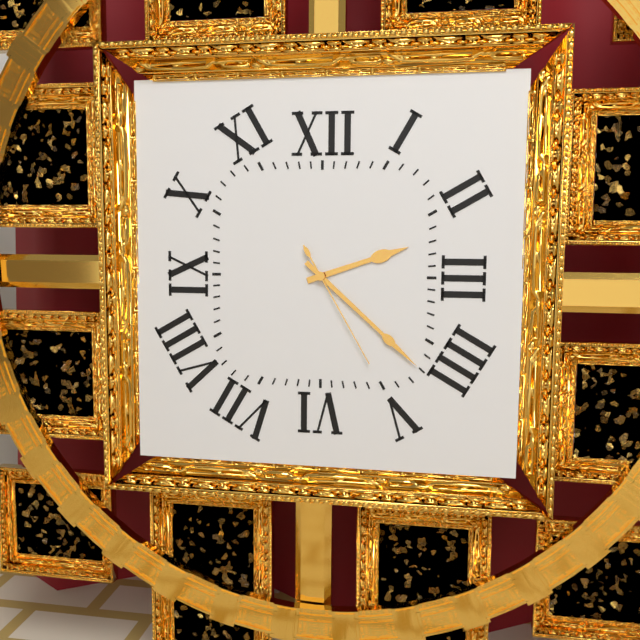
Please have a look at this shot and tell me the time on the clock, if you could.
2:22:25
